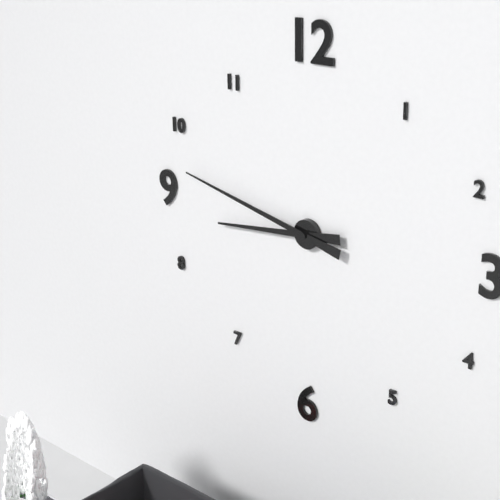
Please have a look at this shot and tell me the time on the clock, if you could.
8:47
